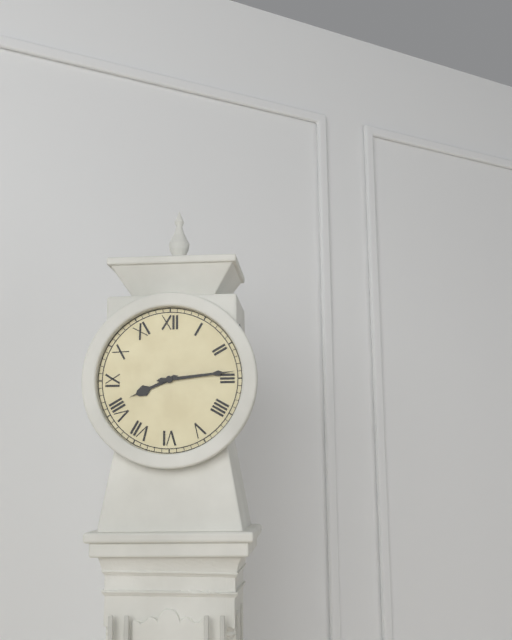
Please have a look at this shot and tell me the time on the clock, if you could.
8:14
